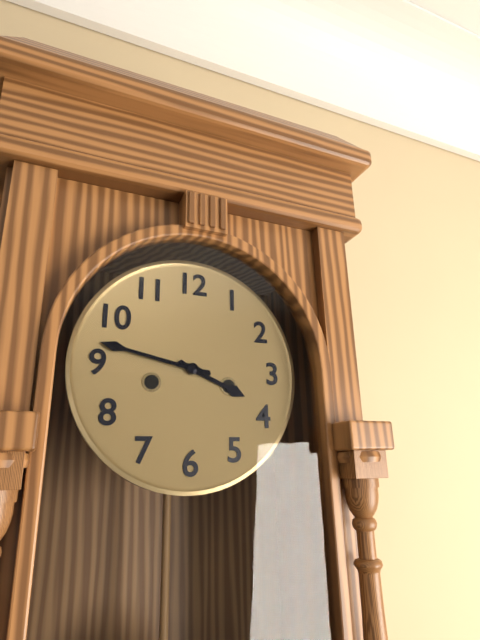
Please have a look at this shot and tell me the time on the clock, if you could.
3:47
